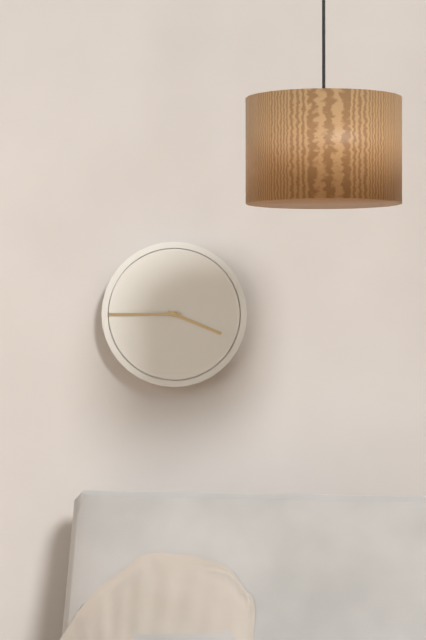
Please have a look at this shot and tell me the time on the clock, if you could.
3:45
